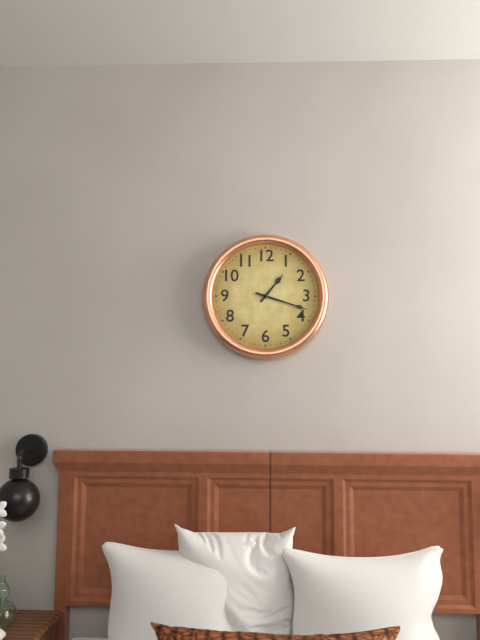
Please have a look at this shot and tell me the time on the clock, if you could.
1:18
